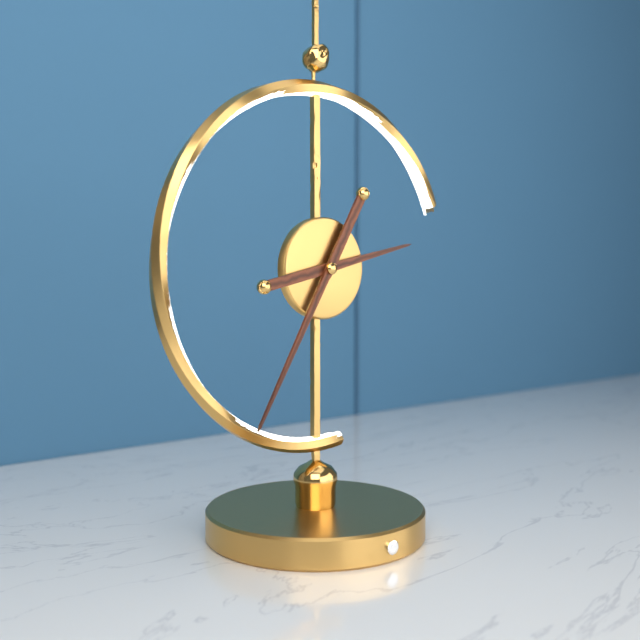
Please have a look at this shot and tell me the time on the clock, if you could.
2:35
